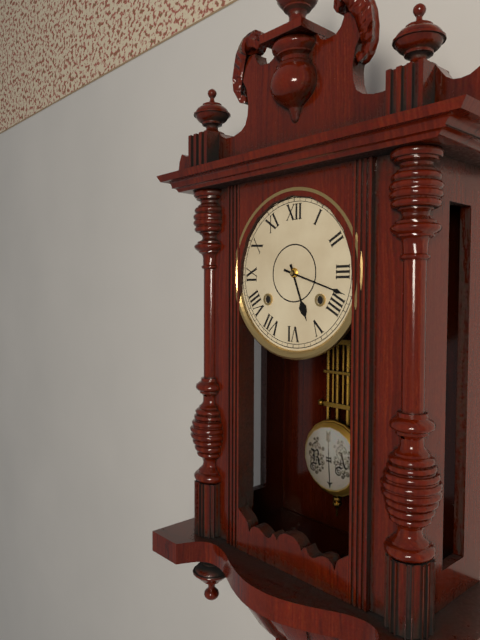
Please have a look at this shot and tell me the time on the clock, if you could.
5:18
